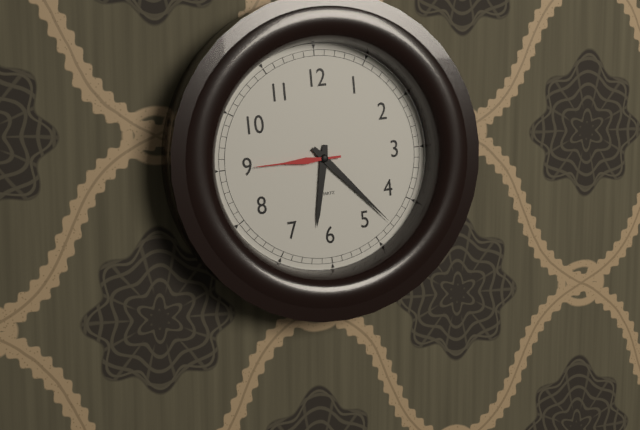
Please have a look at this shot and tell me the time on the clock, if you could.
6:23:45
